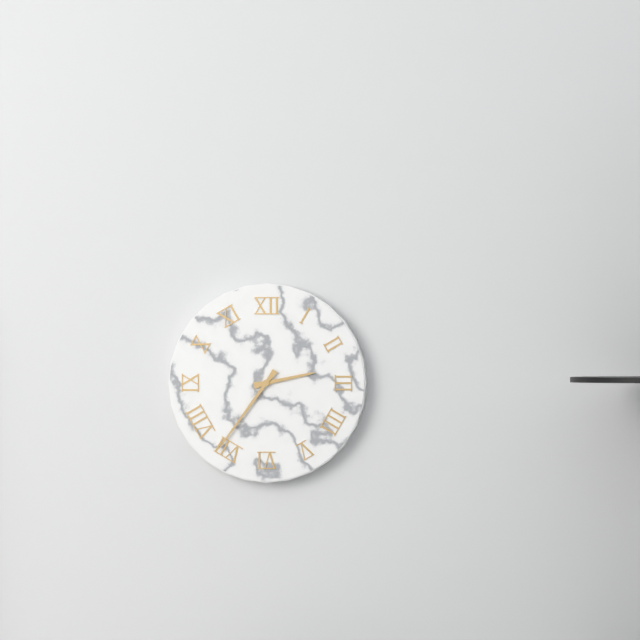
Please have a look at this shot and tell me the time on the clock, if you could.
2:36
